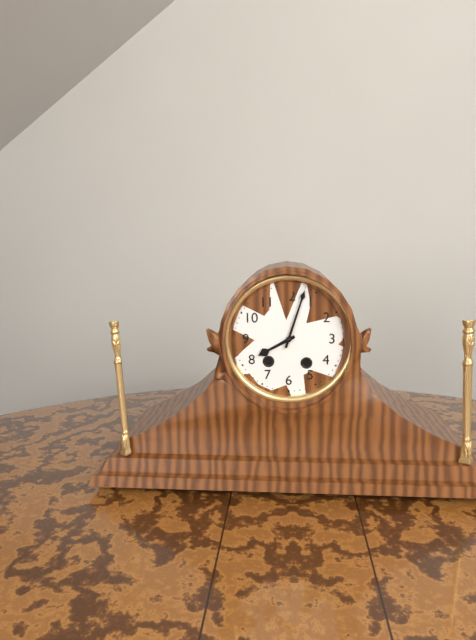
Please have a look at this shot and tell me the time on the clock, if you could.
8:03
